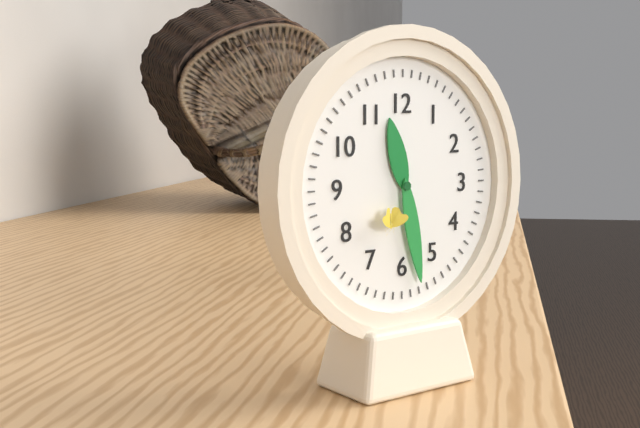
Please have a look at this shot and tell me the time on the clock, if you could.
11:28
